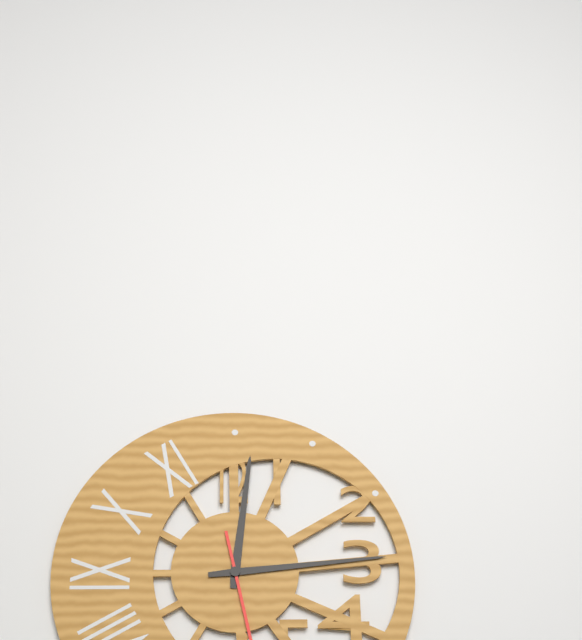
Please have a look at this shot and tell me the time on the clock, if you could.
12:14
